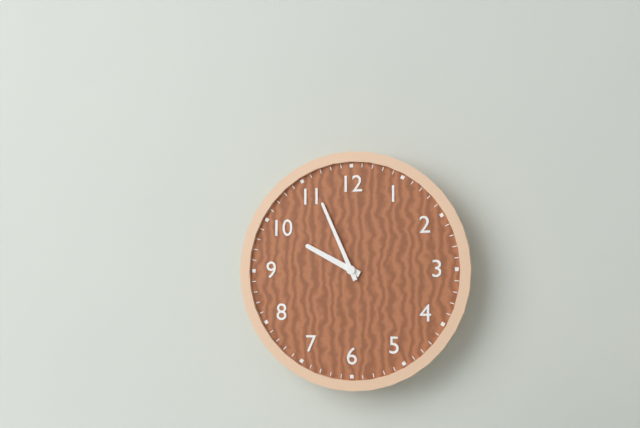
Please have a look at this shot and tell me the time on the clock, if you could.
9:56
